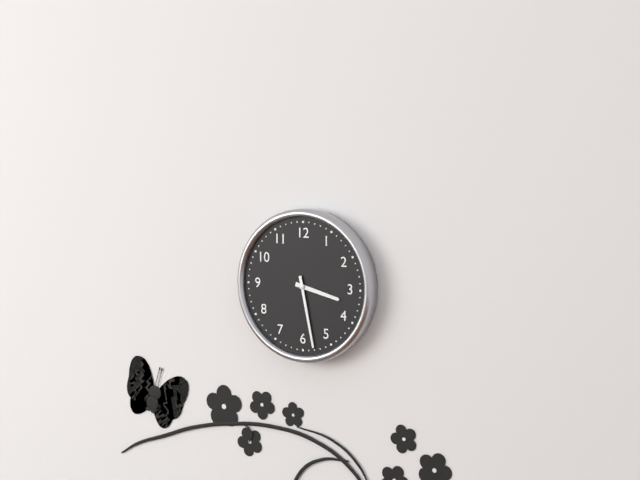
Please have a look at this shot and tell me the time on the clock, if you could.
3:28
